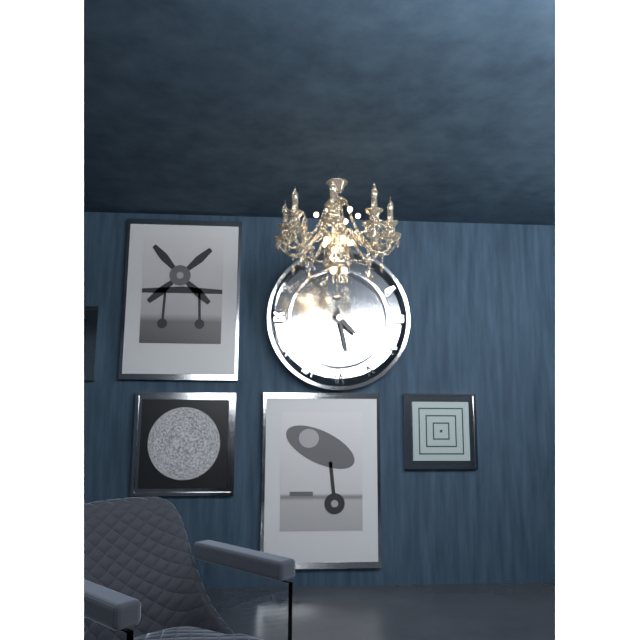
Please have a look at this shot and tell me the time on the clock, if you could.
4:28
